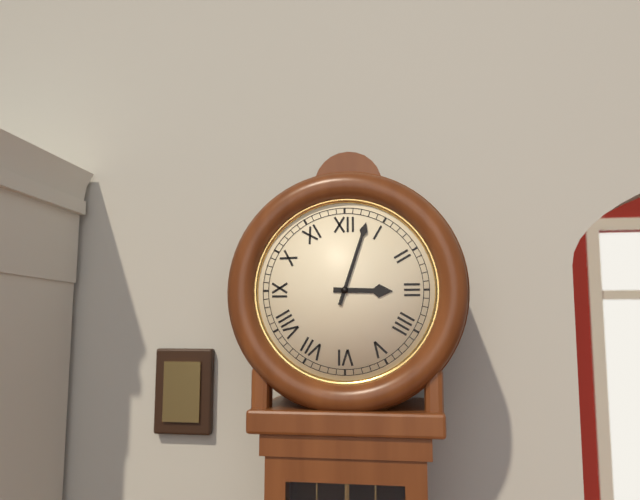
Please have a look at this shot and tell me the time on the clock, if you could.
3:03
